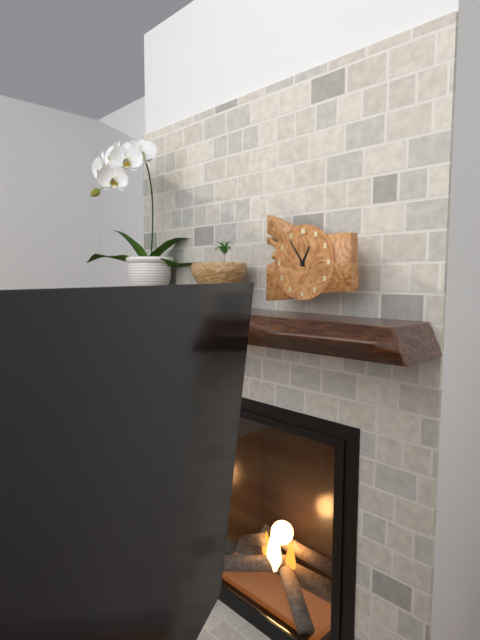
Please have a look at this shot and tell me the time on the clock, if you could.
12:54
